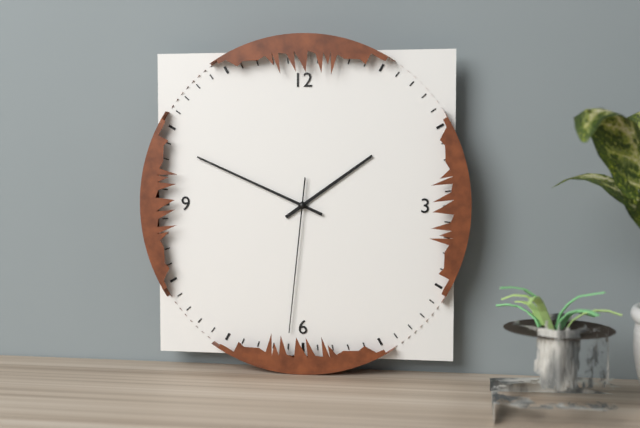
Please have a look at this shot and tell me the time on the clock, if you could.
1:49:31
